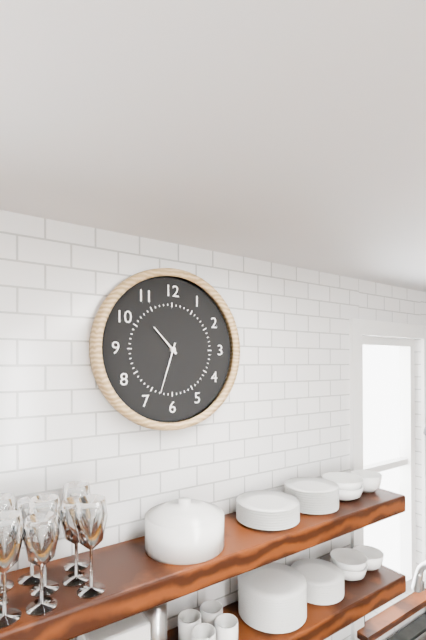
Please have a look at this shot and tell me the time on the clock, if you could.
10:33
